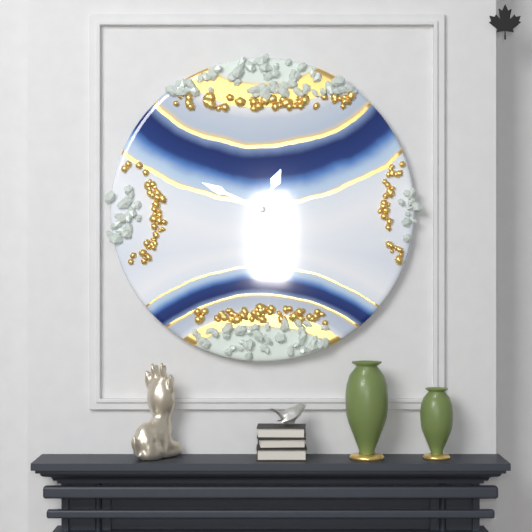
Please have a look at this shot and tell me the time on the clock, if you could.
12:49
